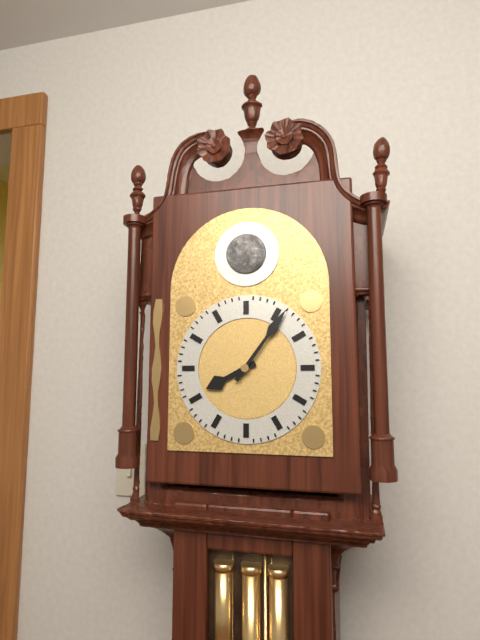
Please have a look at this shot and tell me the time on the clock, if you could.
8:06
